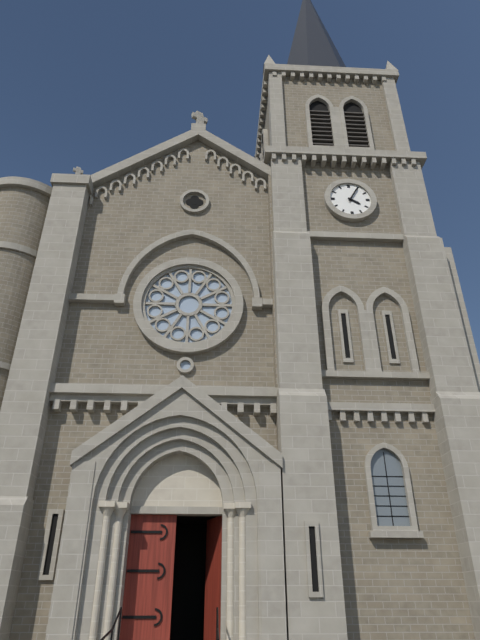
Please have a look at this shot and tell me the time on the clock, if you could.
4:05
